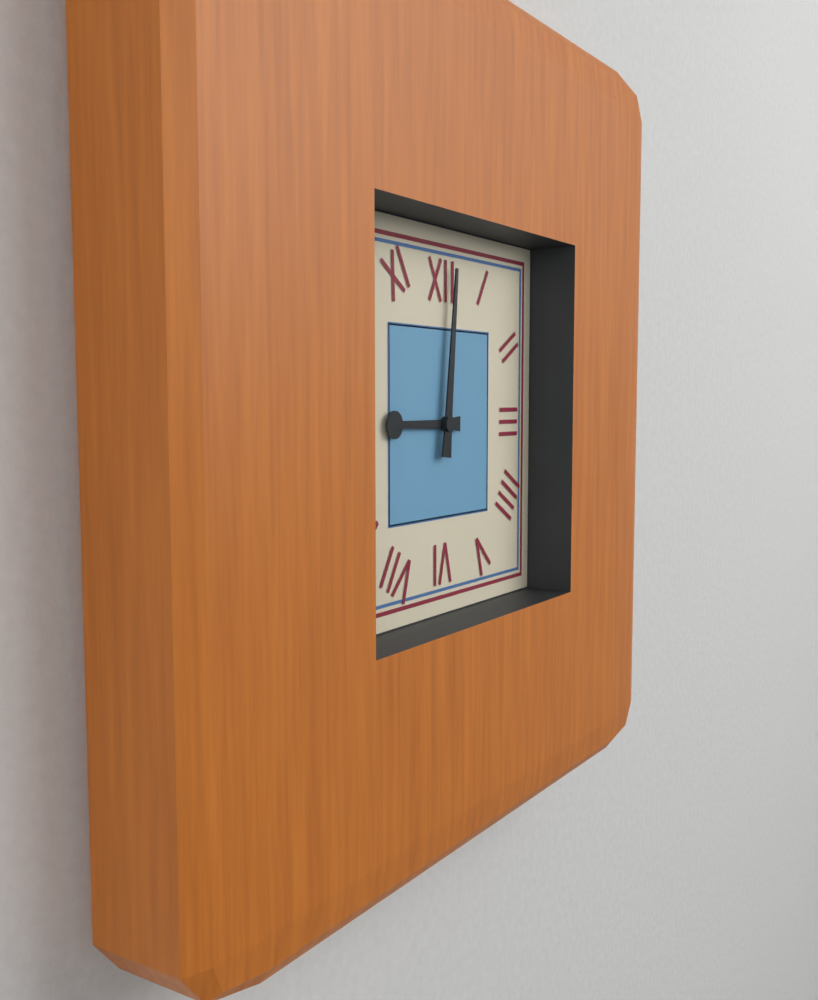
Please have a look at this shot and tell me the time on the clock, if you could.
9:01
